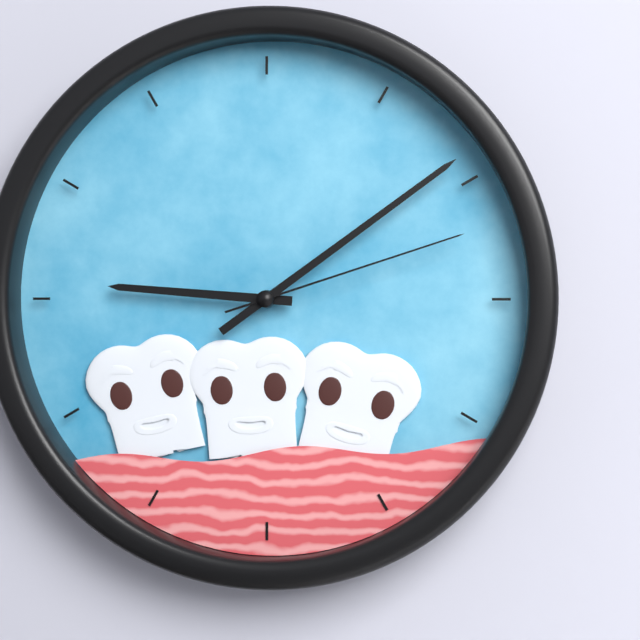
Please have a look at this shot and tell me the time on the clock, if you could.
9:09:12
